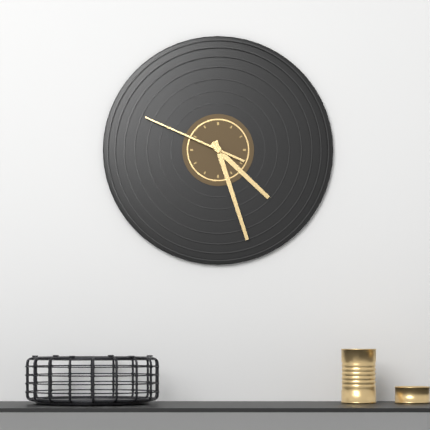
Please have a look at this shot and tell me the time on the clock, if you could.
4:27:49
